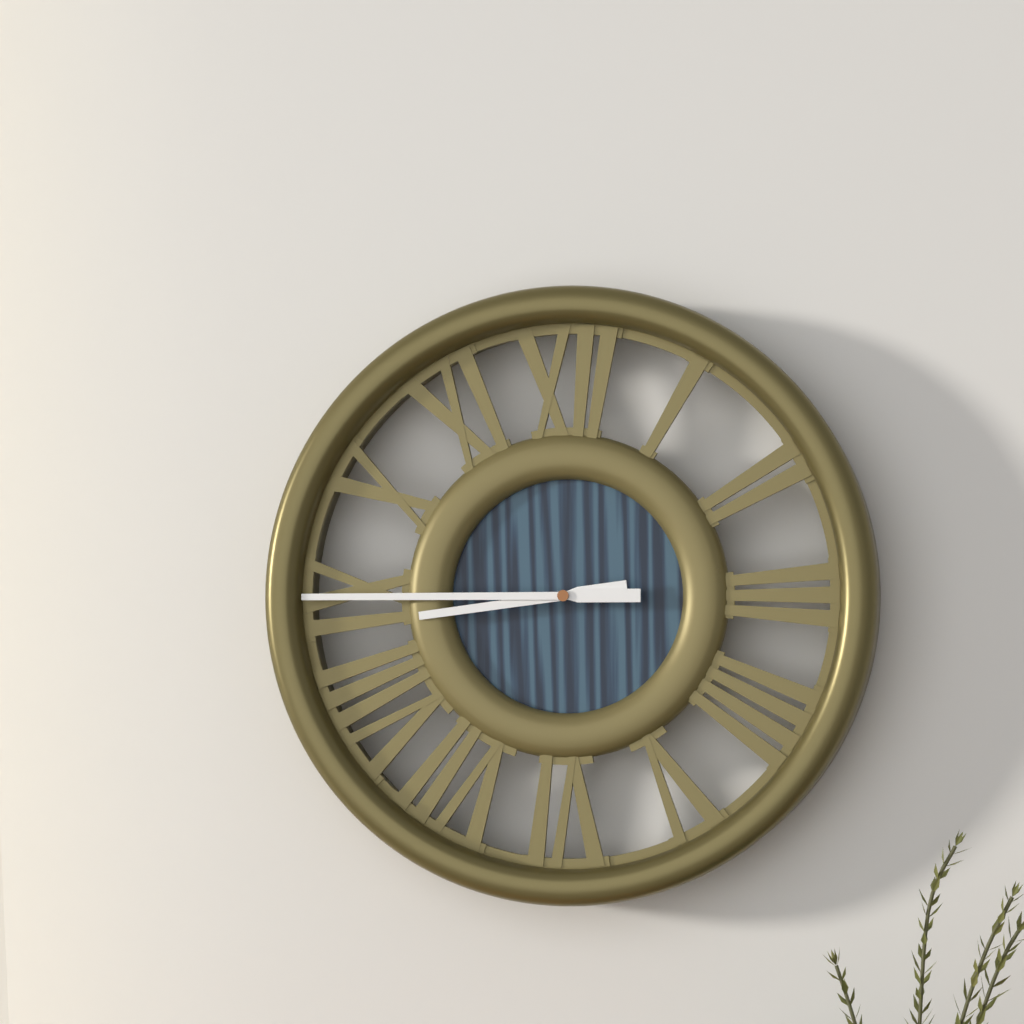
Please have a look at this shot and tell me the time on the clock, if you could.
8:45
